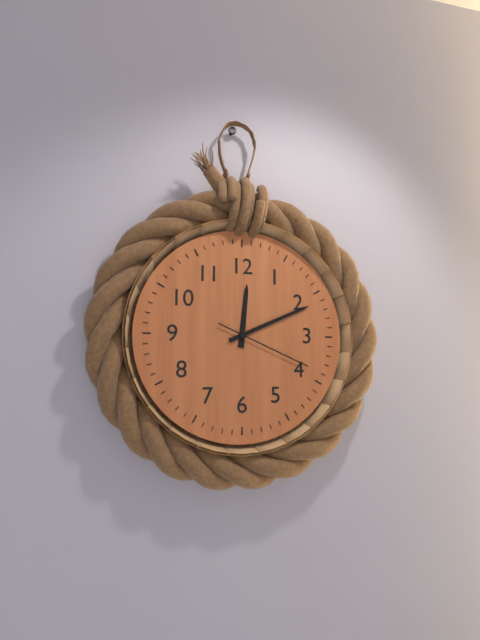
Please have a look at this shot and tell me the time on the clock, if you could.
12:11:19
